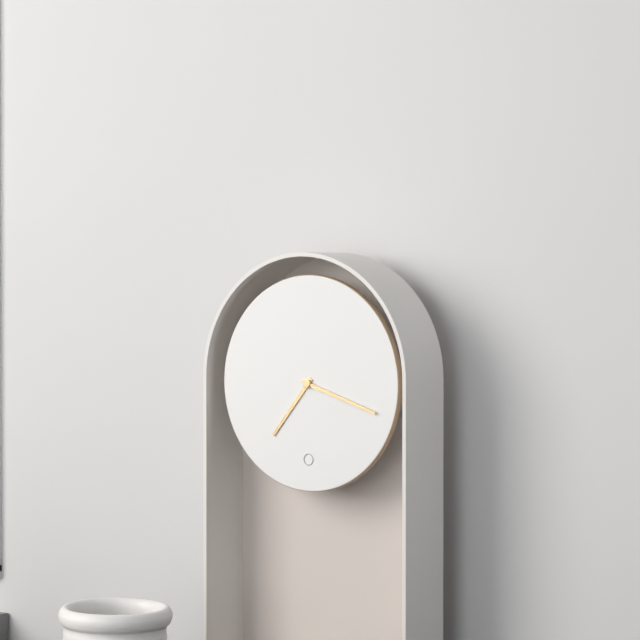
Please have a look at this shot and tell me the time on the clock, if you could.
7:18
